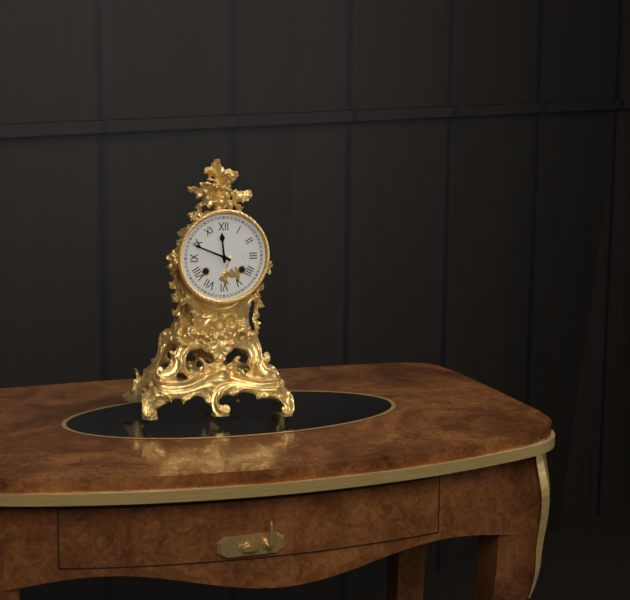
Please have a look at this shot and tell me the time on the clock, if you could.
11:49
